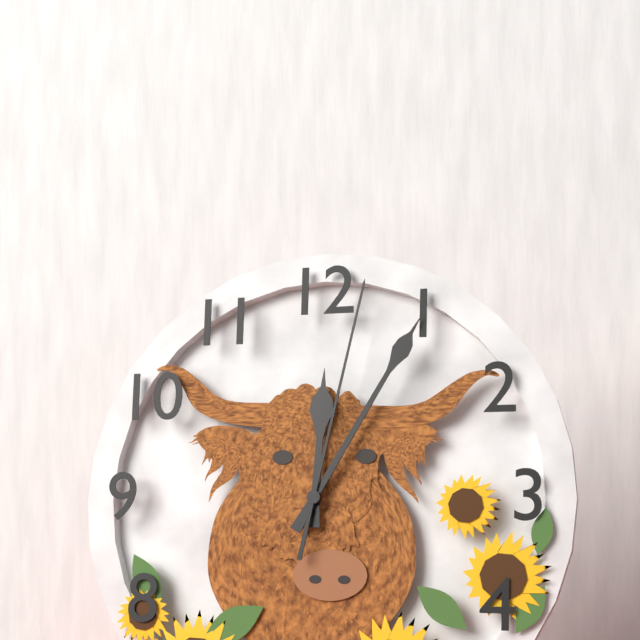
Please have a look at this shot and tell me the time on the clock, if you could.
12:05:02
